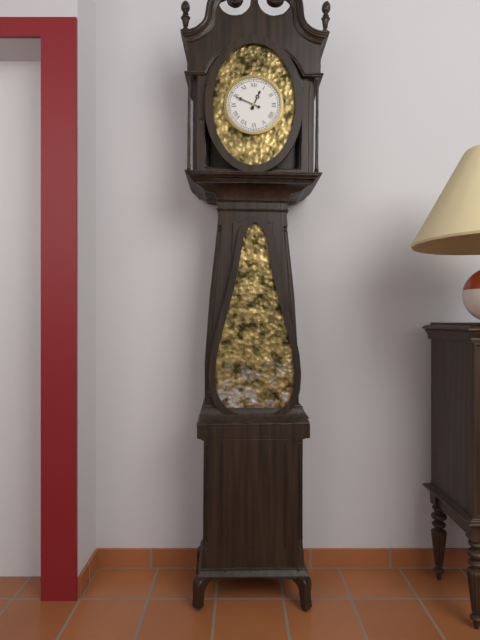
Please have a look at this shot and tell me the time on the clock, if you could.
12:49
